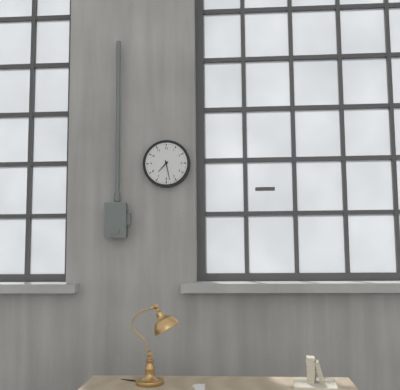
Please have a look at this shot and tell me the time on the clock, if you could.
7:28
